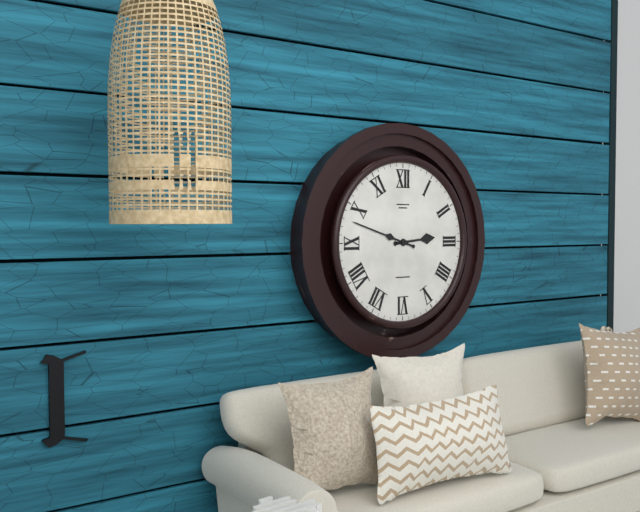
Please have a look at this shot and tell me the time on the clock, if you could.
2:48
